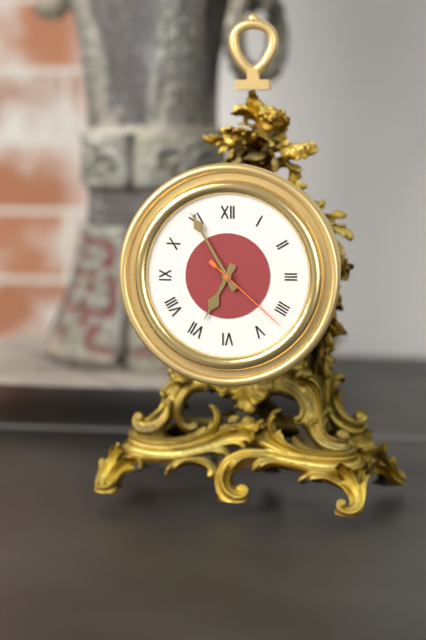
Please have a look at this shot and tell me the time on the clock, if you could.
6:55:22
